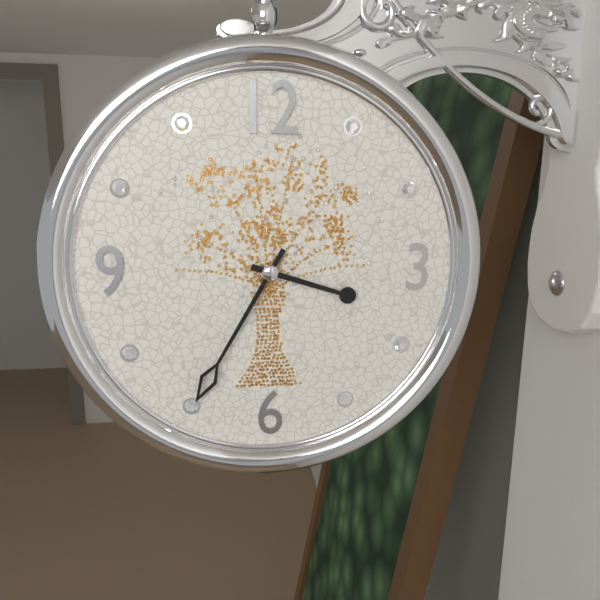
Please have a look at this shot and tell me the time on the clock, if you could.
3:35
